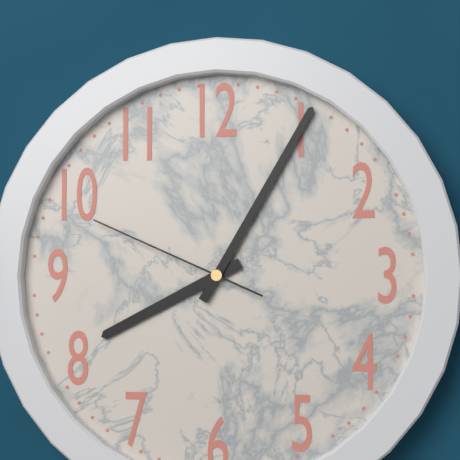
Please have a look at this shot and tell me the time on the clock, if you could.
8:05:49
